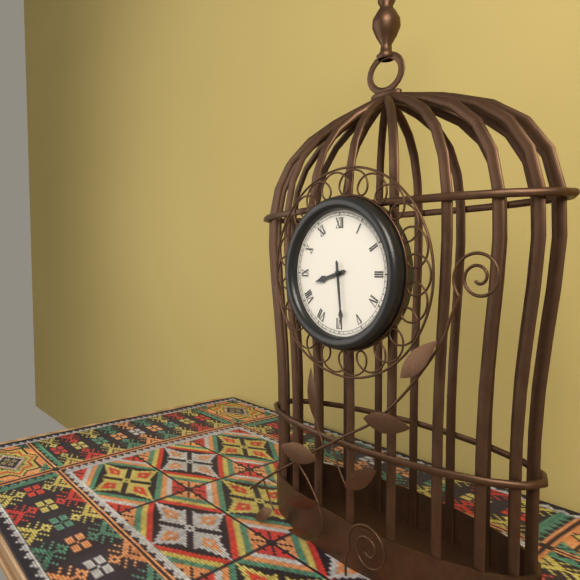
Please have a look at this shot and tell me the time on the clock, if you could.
8:29
